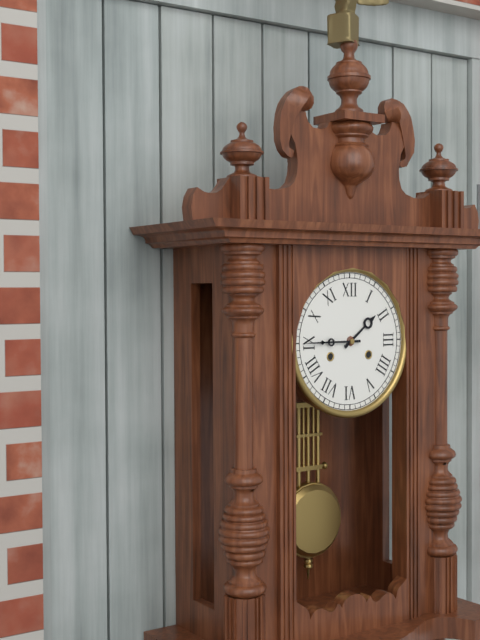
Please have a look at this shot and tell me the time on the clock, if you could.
1:45
